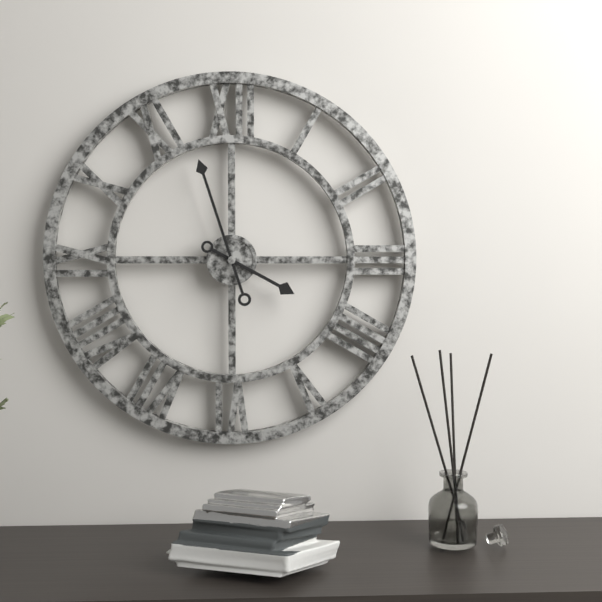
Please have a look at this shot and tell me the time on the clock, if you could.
3:57
